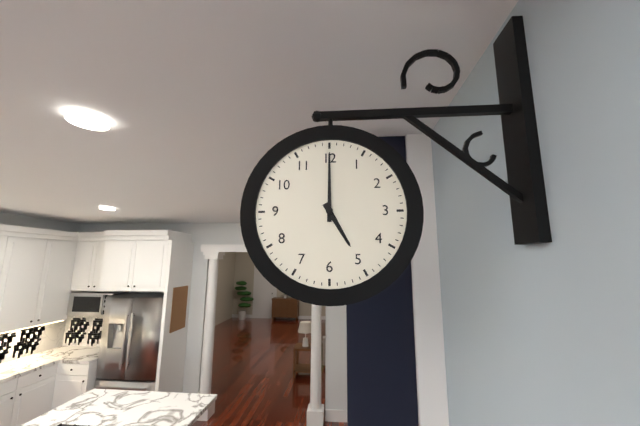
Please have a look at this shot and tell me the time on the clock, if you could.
5:00
